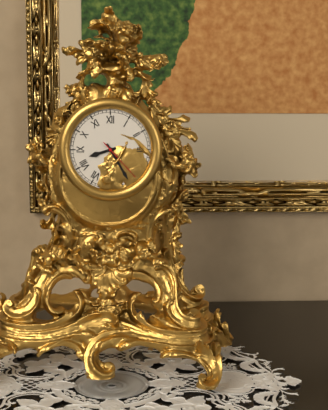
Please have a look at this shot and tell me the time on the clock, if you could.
8:25
